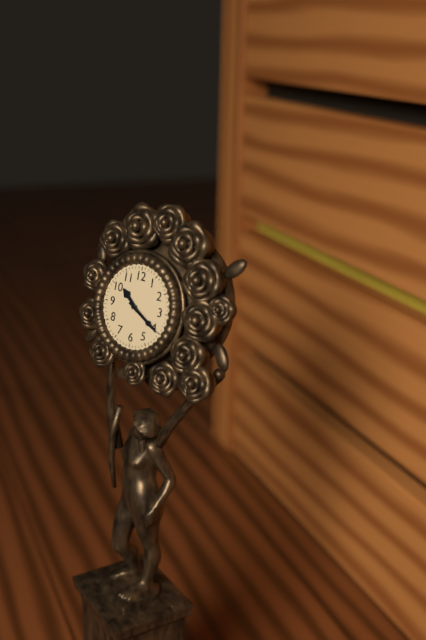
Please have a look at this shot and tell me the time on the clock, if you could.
10:20
